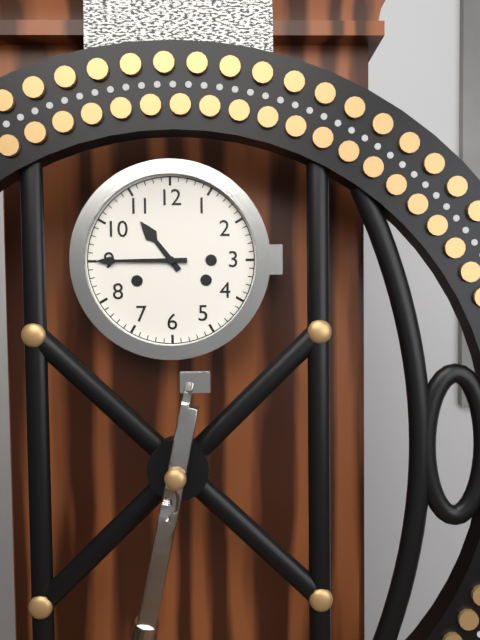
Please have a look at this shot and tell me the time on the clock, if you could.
10:45
